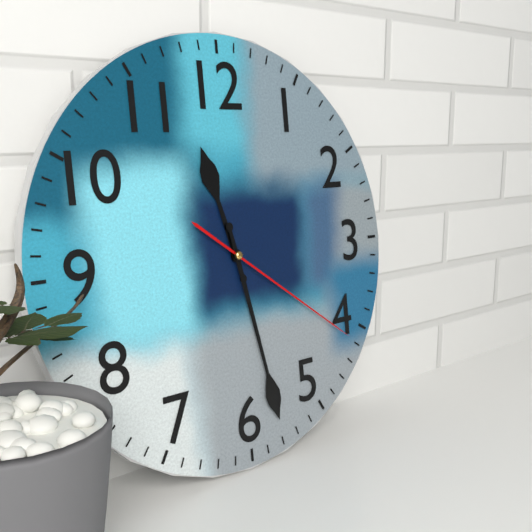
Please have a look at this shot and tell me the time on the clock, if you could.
11:28:21
